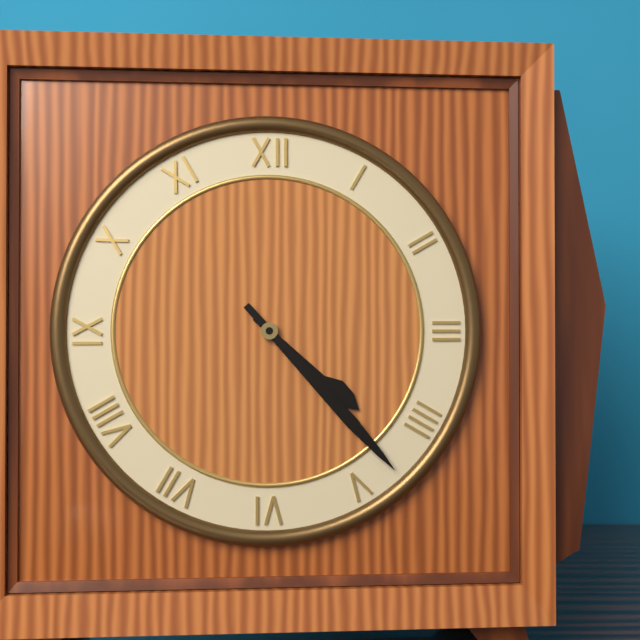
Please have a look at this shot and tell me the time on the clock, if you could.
4:23
